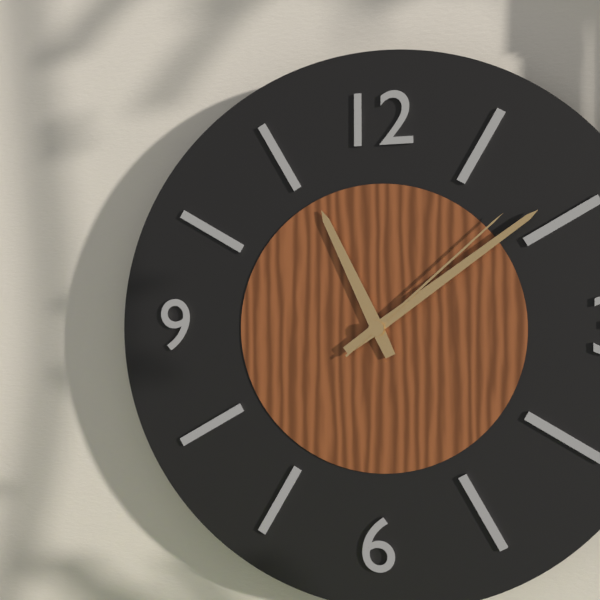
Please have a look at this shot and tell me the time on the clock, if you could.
11:09:08
